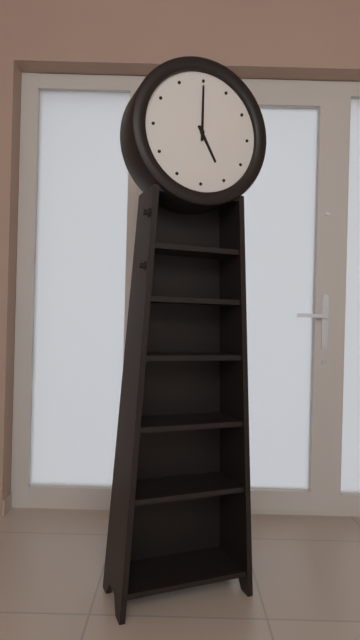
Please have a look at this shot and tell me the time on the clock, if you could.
5:00
